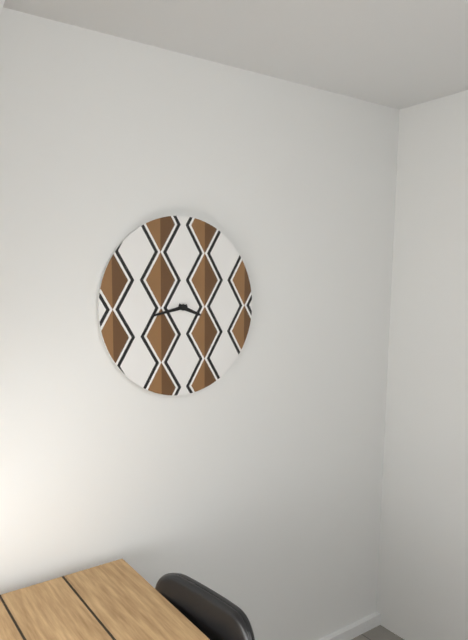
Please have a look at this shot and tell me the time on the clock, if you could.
3:43
